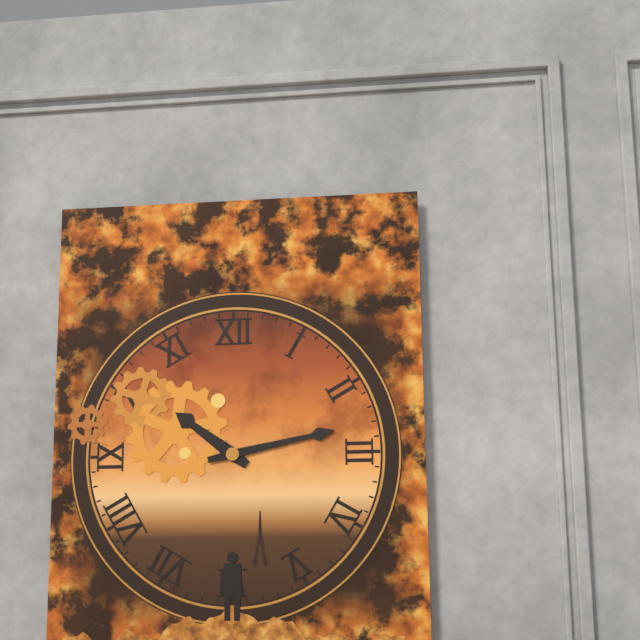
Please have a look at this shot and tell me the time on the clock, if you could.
10:13
